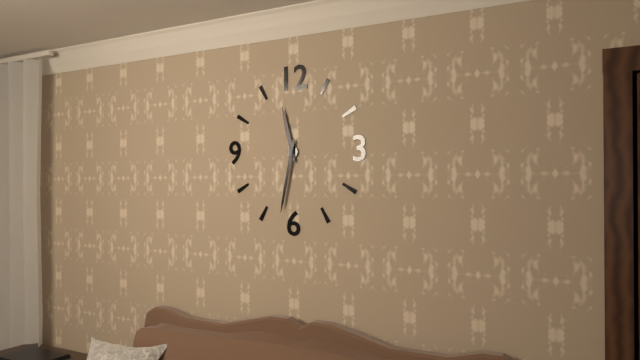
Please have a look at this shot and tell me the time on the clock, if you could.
11:32
